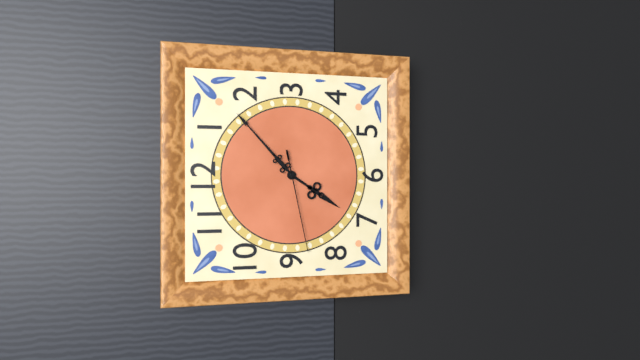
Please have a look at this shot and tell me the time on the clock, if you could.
7:08:43
